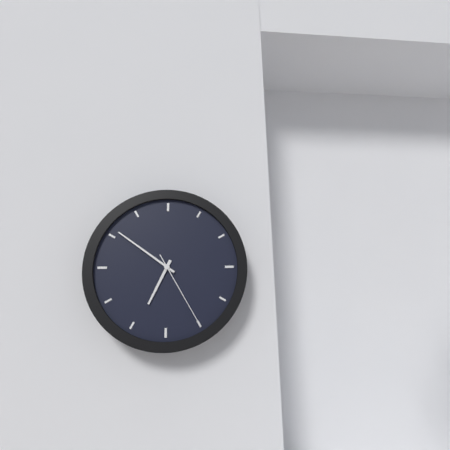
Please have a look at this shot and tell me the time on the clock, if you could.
6:51:25
